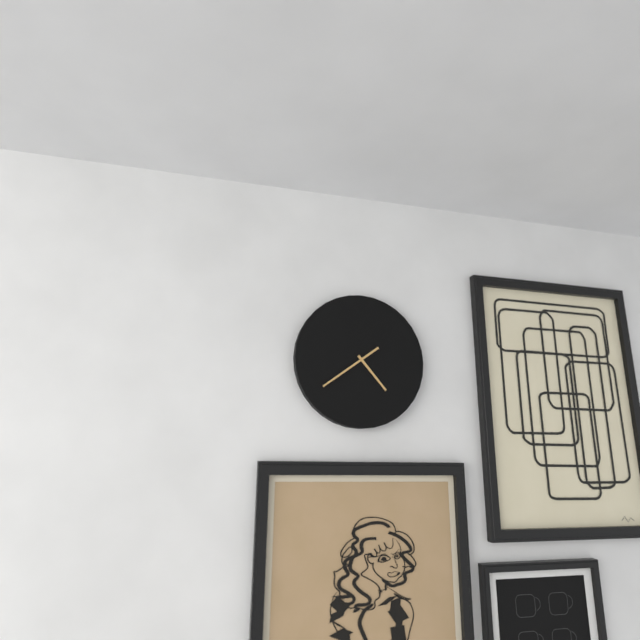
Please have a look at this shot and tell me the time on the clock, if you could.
4:39
